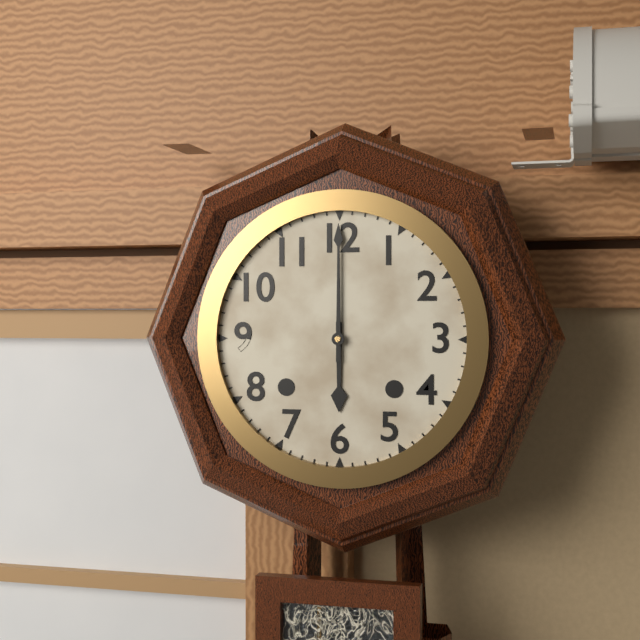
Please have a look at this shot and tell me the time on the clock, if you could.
6:00
